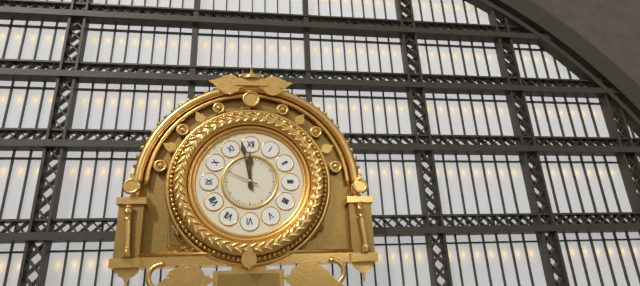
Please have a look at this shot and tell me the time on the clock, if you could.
11:58
